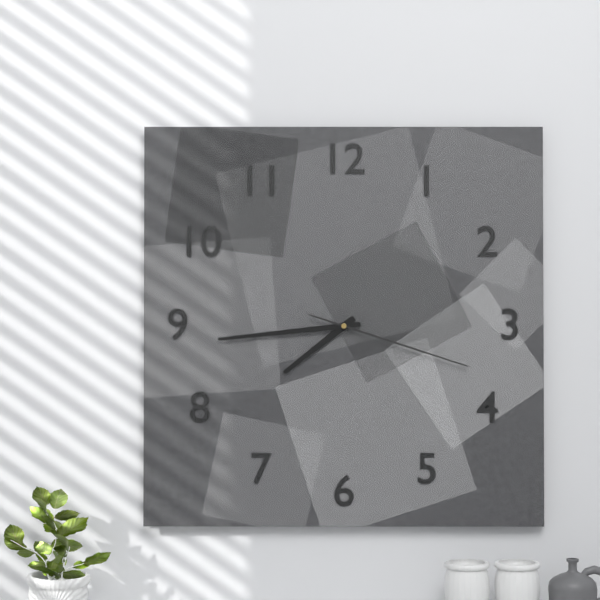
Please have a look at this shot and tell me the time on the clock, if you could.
7:44:18
